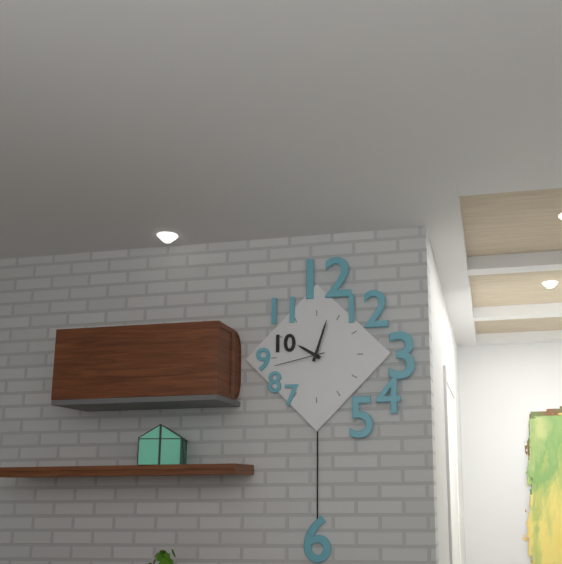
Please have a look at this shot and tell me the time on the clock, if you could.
10:03:43
